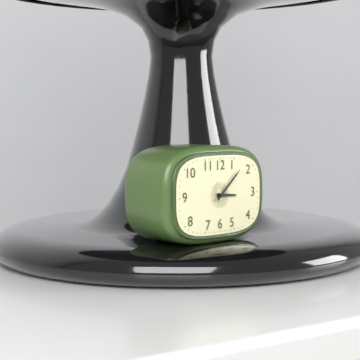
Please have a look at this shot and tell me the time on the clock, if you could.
3:08
